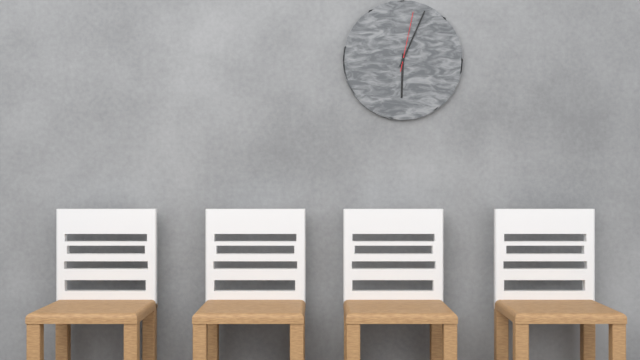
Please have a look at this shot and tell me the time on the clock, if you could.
6:04:02
